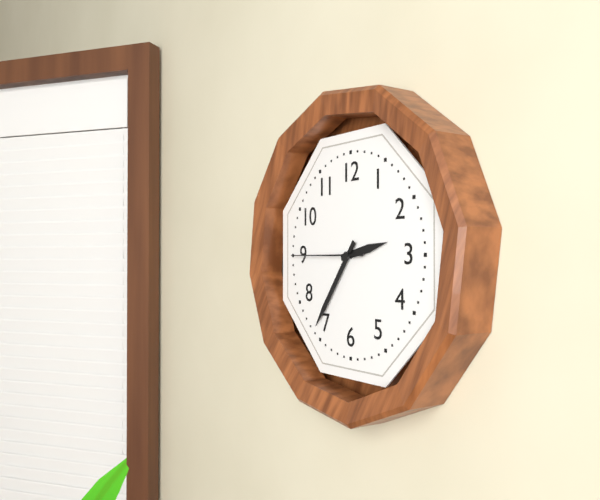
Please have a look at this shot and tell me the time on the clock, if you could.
2:36:45
